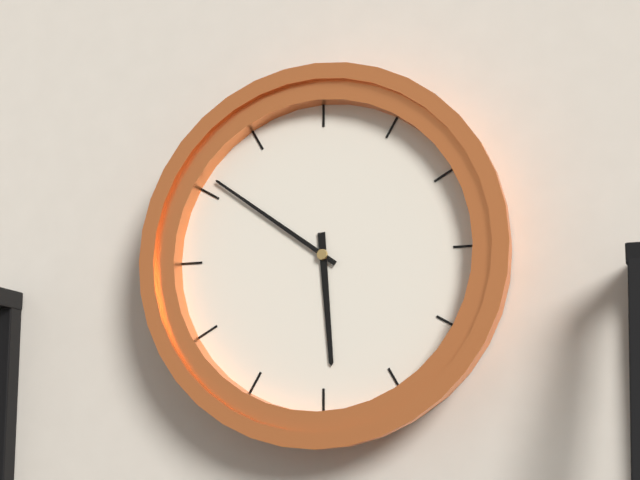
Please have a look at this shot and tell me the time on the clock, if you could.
5:51
